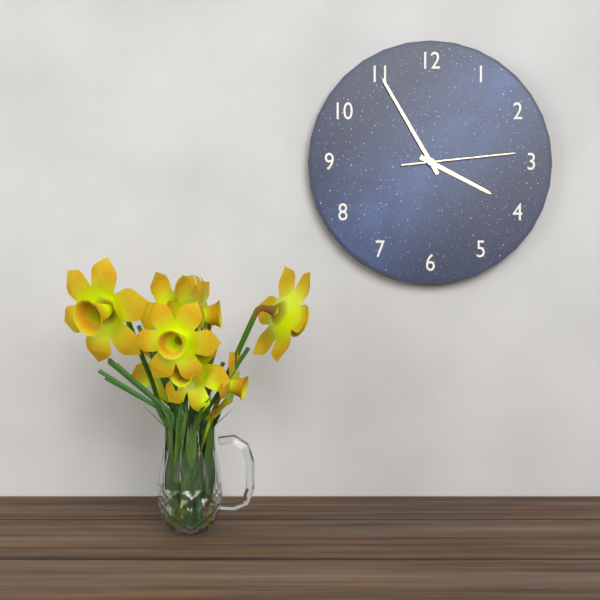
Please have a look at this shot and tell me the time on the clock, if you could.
3:55:14
